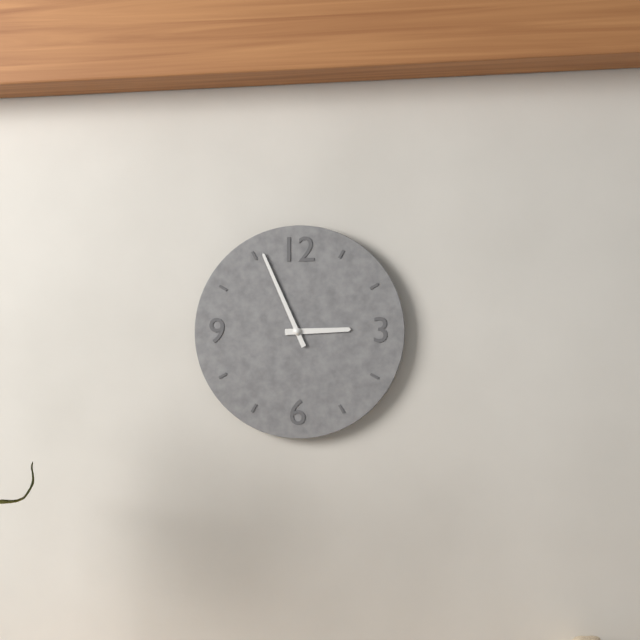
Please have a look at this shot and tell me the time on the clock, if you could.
2:56
